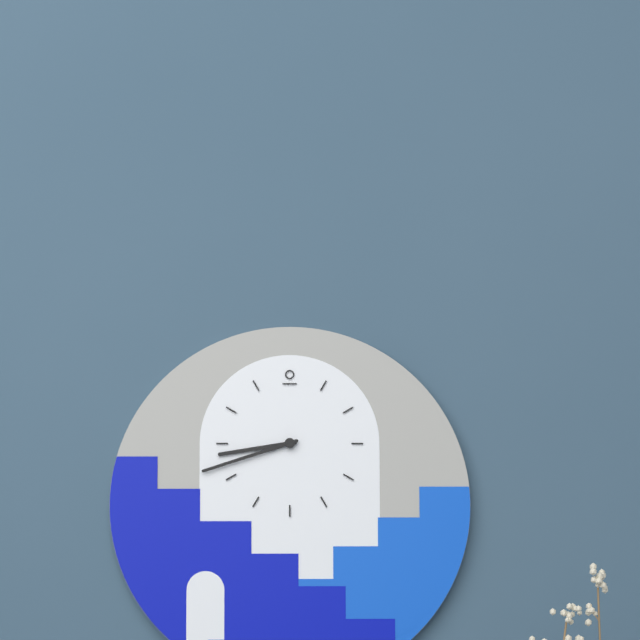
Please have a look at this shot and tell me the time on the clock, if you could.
8:42
